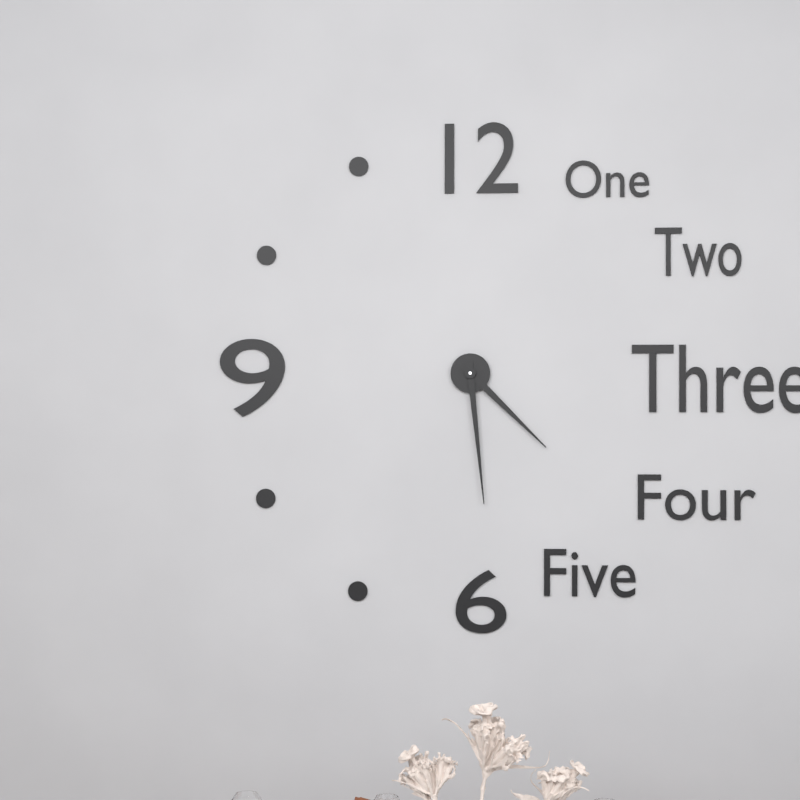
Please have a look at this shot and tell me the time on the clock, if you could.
4:29
